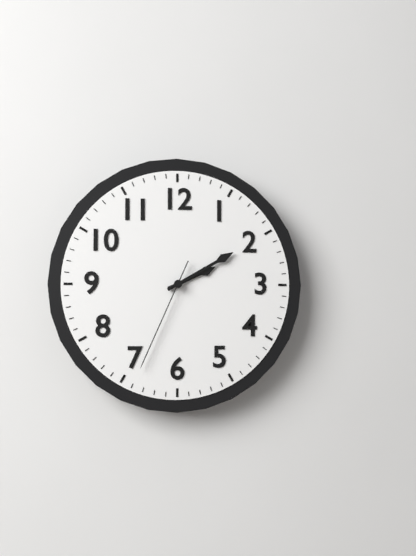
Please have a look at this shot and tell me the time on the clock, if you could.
2:10:34
